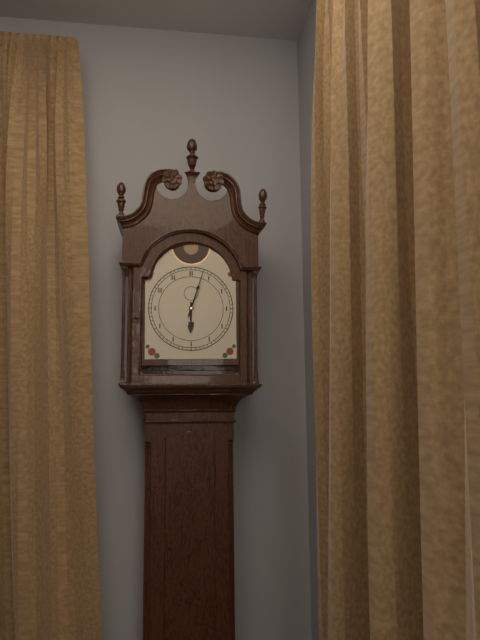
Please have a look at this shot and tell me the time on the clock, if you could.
6:03
